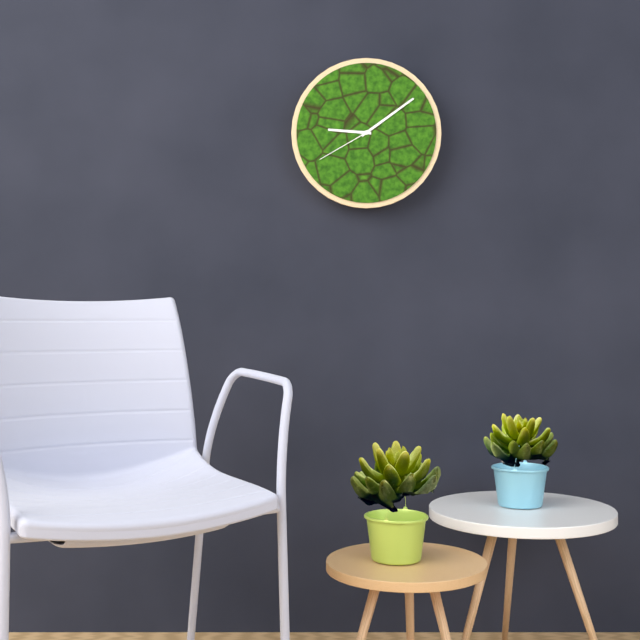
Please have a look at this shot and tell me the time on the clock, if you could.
9:09:40
